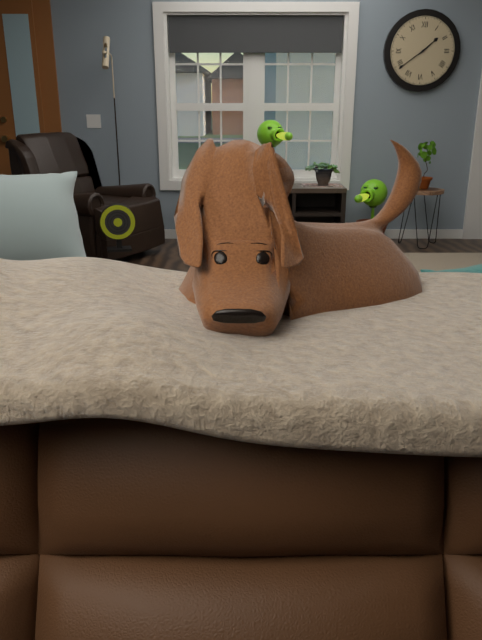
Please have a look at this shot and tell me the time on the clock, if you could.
1:39
